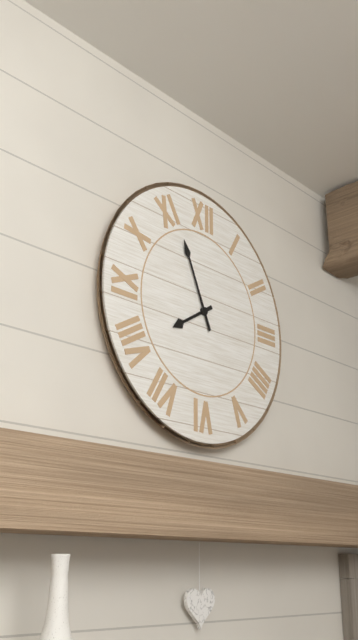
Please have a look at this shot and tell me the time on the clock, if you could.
7:56
